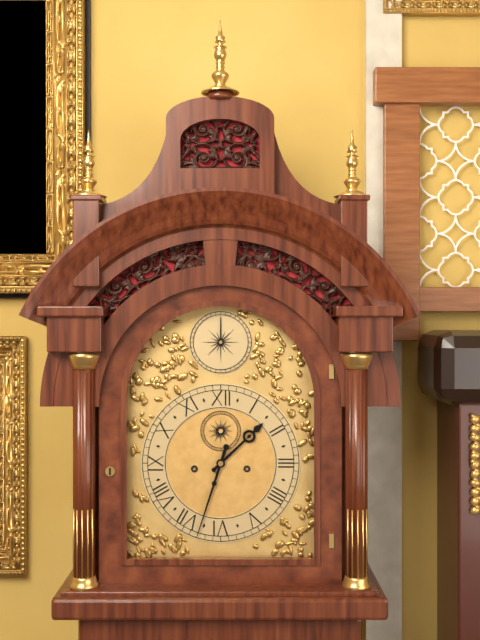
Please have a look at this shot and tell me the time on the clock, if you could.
1:33
